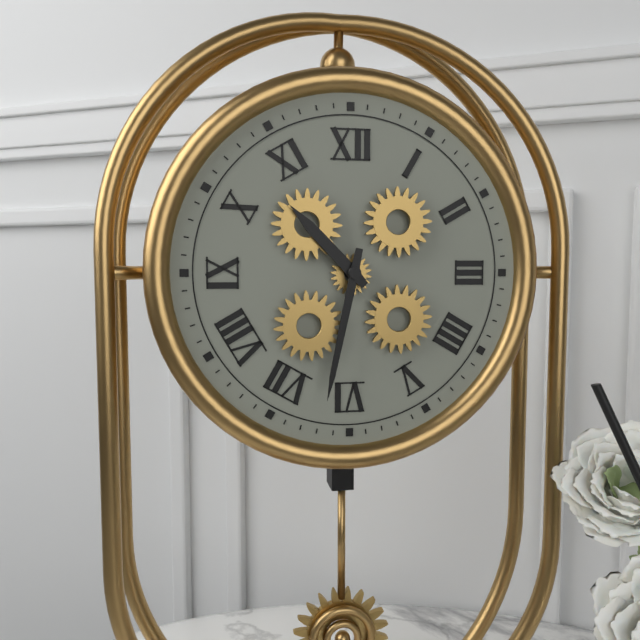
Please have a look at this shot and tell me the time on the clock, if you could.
10:32
